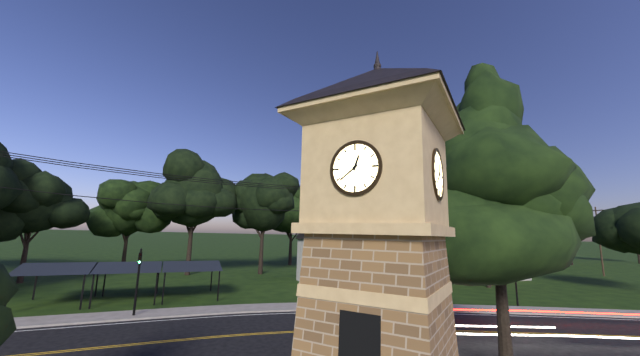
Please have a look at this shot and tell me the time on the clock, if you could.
12:39
